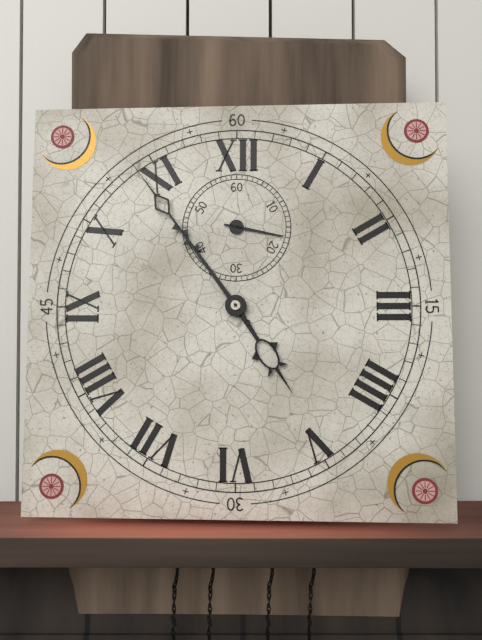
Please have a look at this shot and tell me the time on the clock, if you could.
4:54:17
